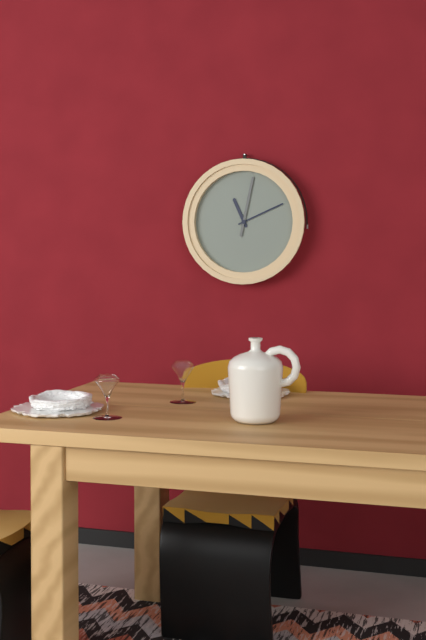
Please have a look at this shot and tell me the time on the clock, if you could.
11:11:02
